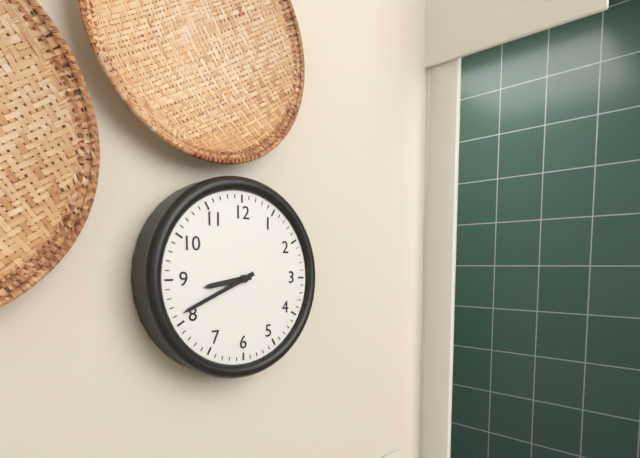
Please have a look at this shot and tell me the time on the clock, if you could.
8:41
